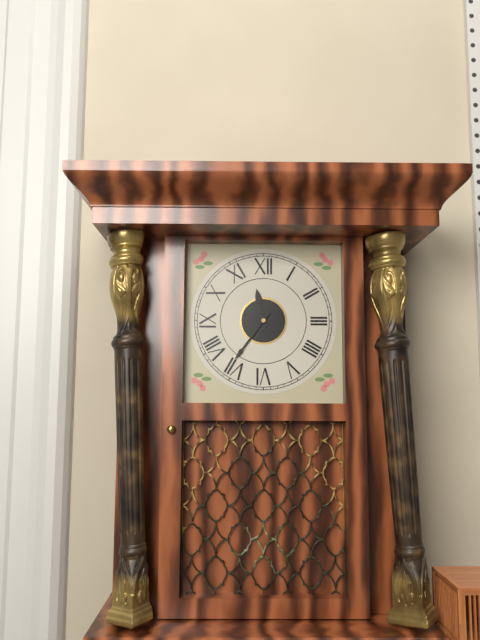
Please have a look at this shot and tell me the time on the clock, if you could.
11:36
